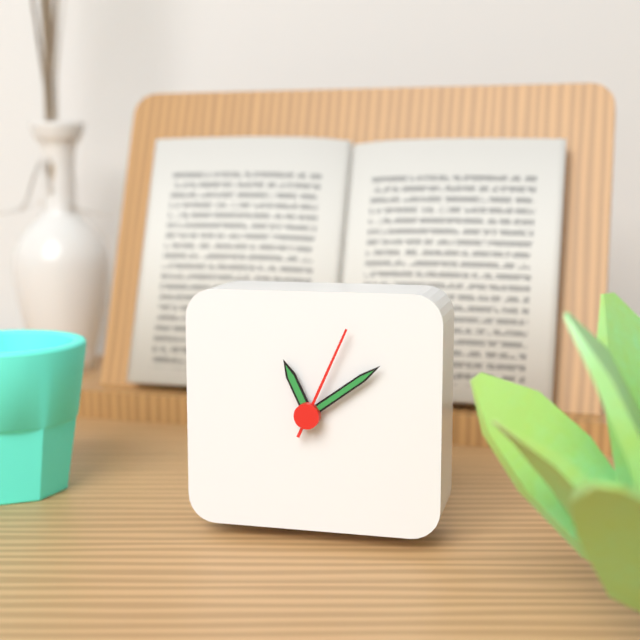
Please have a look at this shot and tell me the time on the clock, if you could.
11:09:04
